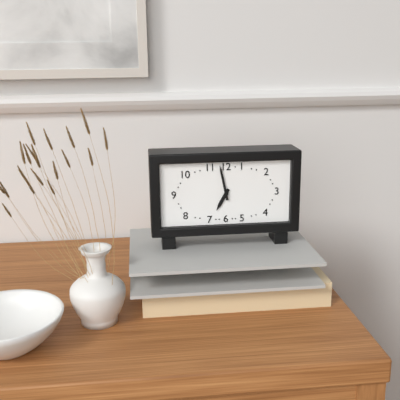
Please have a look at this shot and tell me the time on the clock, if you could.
6:58
